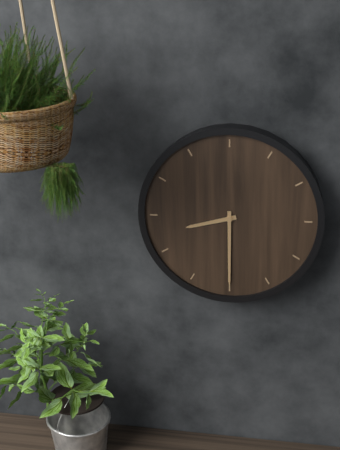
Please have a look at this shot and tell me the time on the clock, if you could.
8:30
